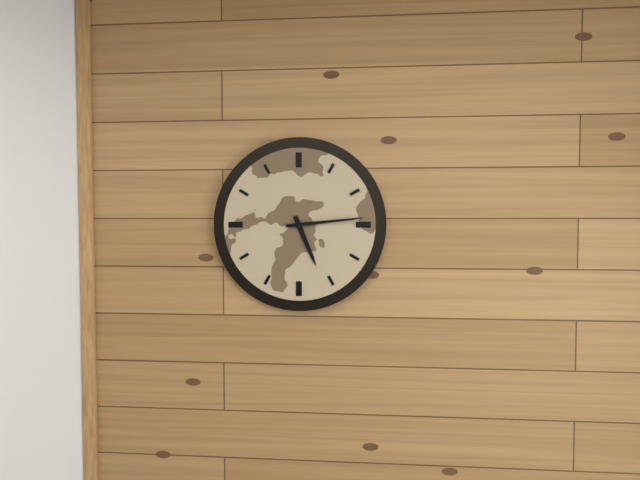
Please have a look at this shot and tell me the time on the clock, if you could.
5:14
